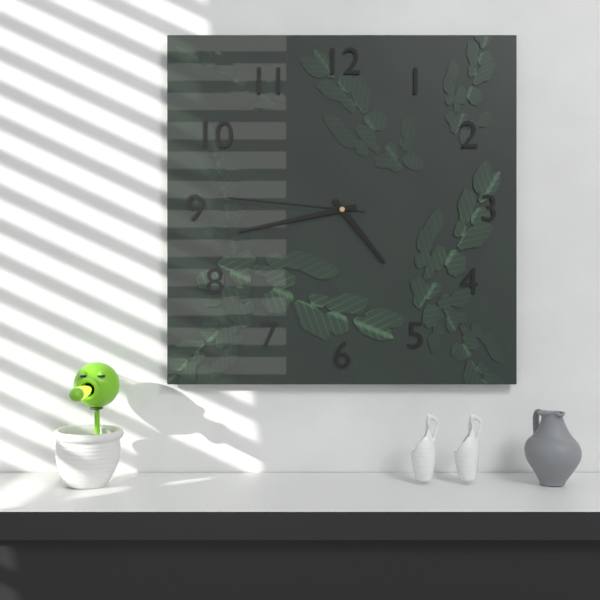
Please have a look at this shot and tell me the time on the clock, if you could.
4:43:46
